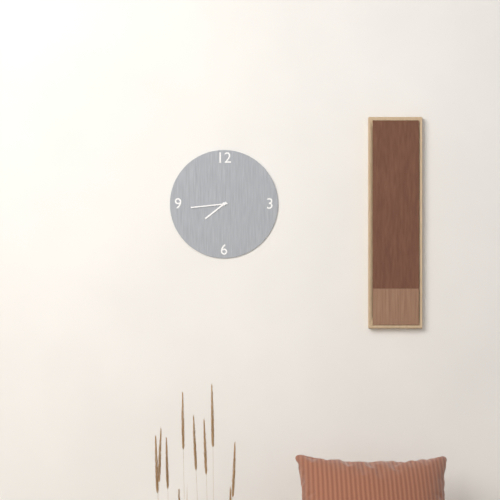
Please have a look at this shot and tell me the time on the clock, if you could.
7:44
